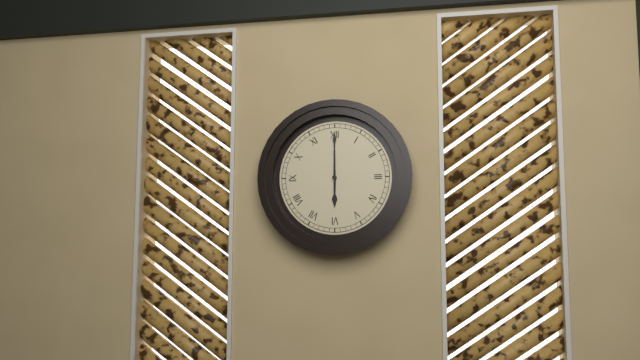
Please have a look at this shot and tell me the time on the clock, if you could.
6:00
